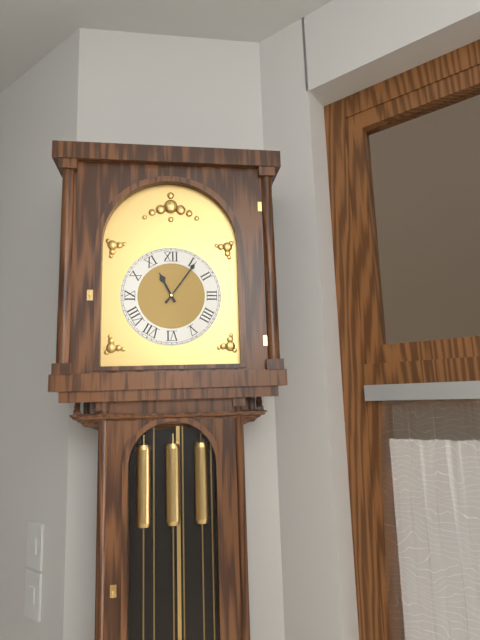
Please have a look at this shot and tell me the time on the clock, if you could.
11:06
